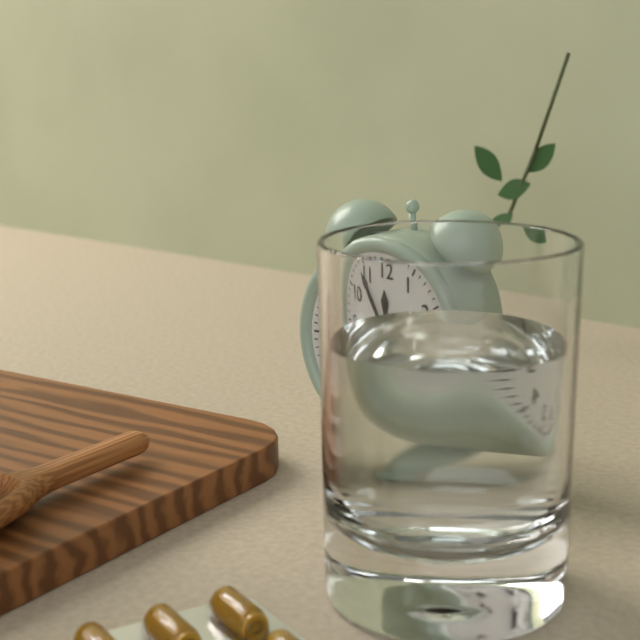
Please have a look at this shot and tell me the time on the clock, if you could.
11:54:39
